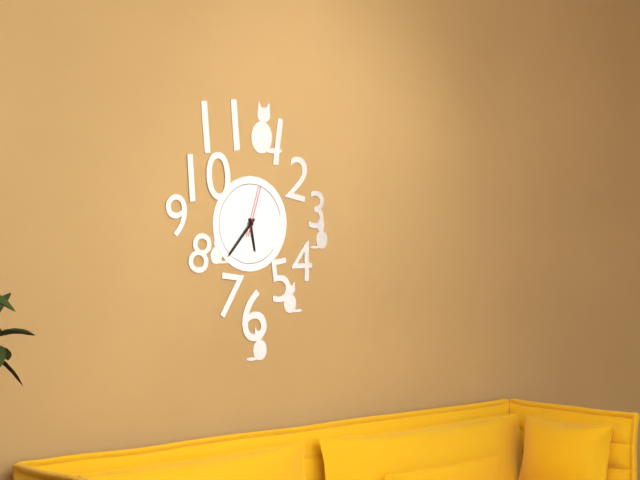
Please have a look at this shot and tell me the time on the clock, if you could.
5:37:03
